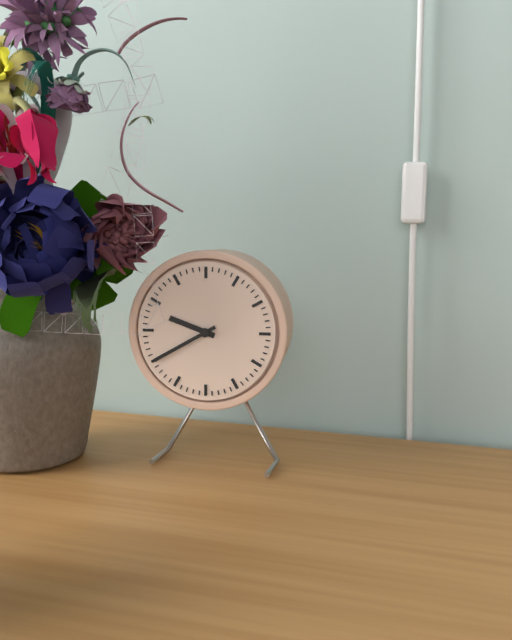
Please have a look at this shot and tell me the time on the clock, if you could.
9:40
